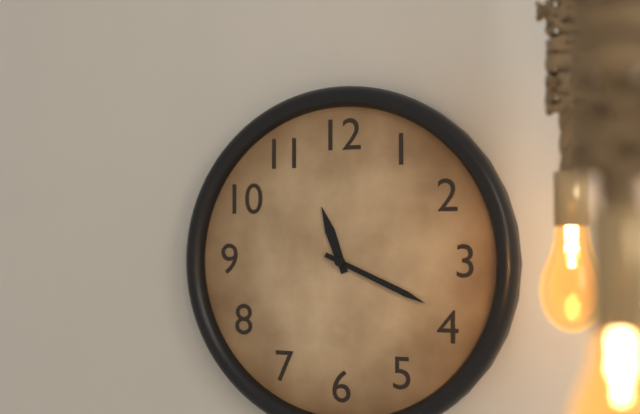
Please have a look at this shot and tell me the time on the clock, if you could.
11:19
